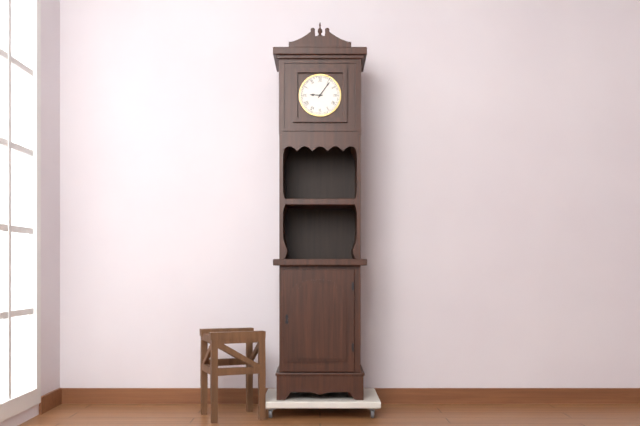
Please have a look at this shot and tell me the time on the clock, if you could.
9:06
